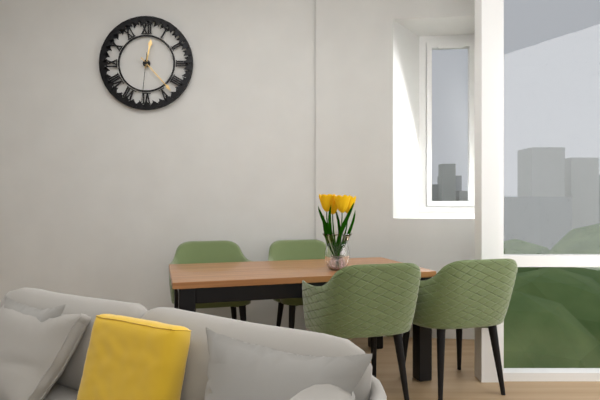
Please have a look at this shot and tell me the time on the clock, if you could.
12:23
